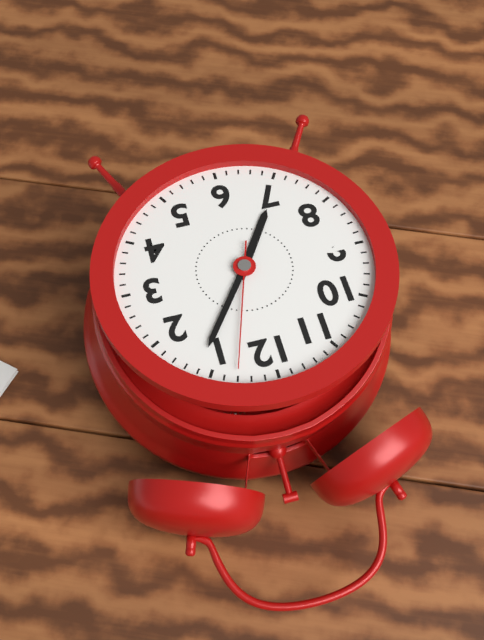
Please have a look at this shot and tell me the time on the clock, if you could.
7:06:03
